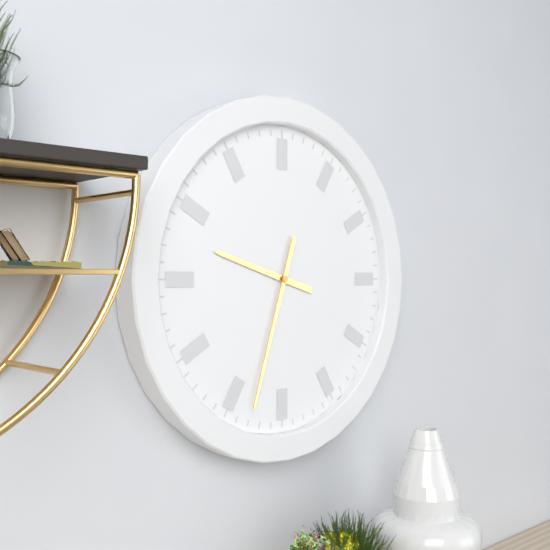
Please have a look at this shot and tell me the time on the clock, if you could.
9:33
